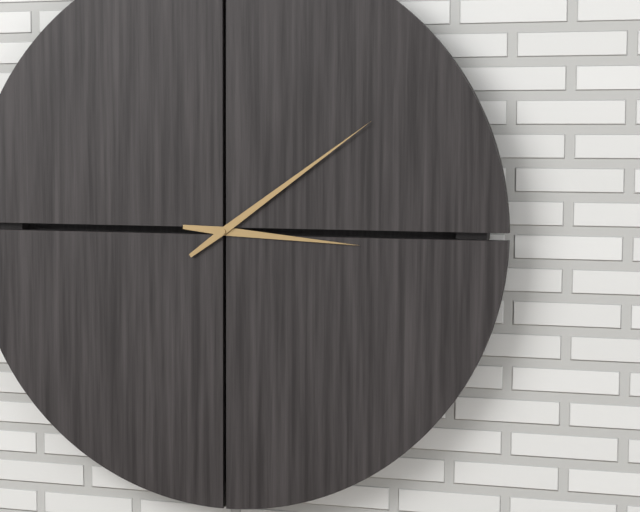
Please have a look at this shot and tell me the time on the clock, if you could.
3:09
